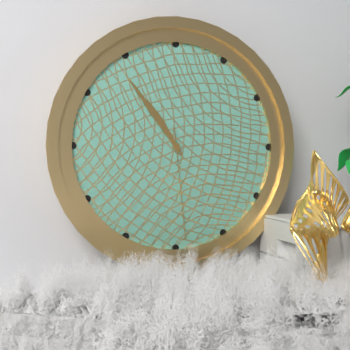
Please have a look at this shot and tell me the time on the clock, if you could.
10:54:29
